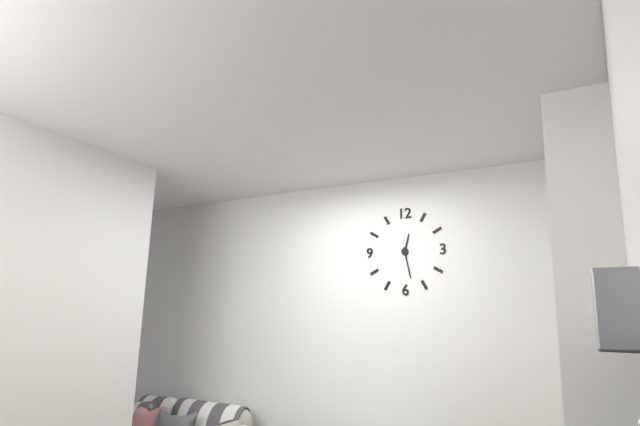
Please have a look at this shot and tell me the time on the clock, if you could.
12:28
